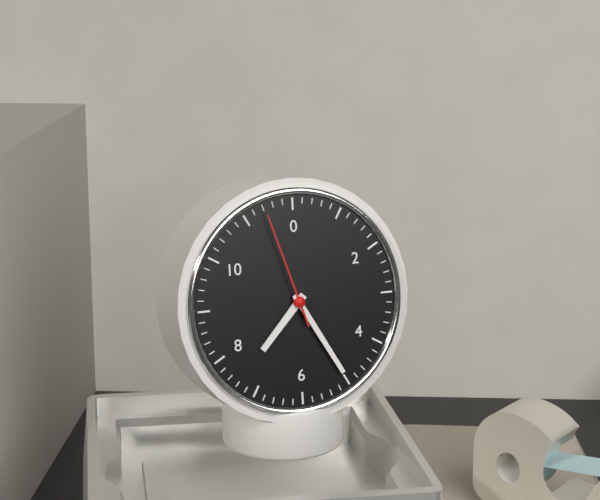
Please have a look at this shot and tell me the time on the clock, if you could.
7:25:57
